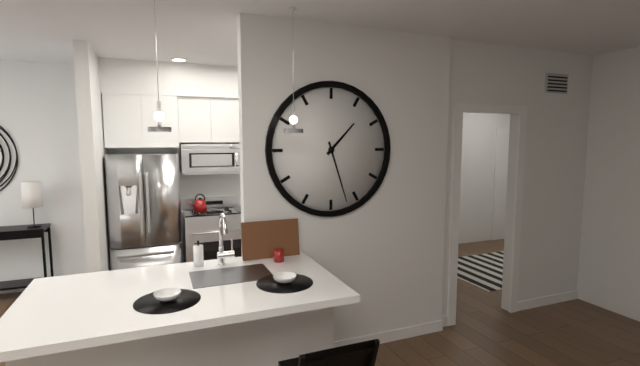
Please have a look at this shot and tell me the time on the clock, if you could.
1:27
